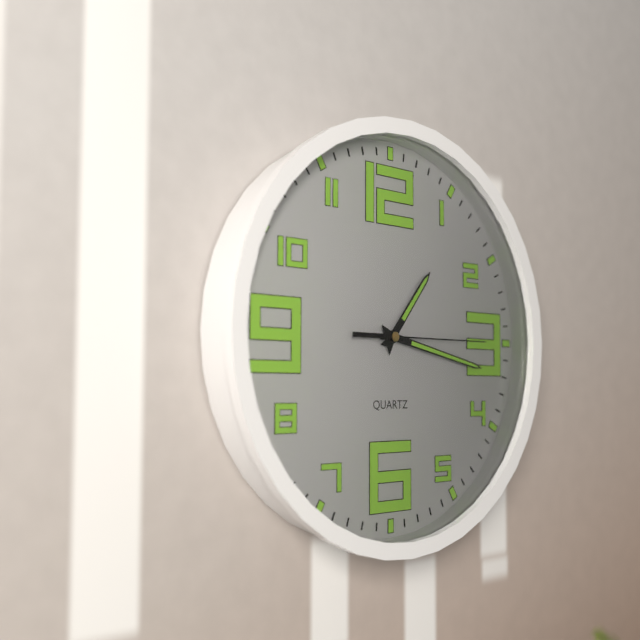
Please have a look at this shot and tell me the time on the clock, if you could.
1:17:15
